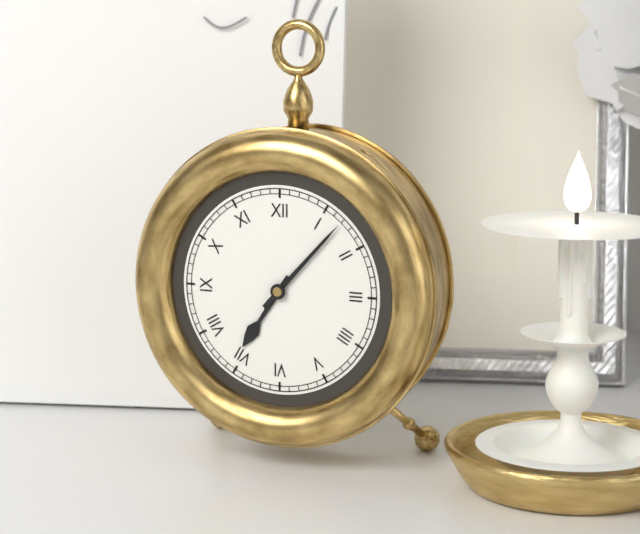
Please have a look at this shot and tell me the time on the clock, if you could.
7:07
